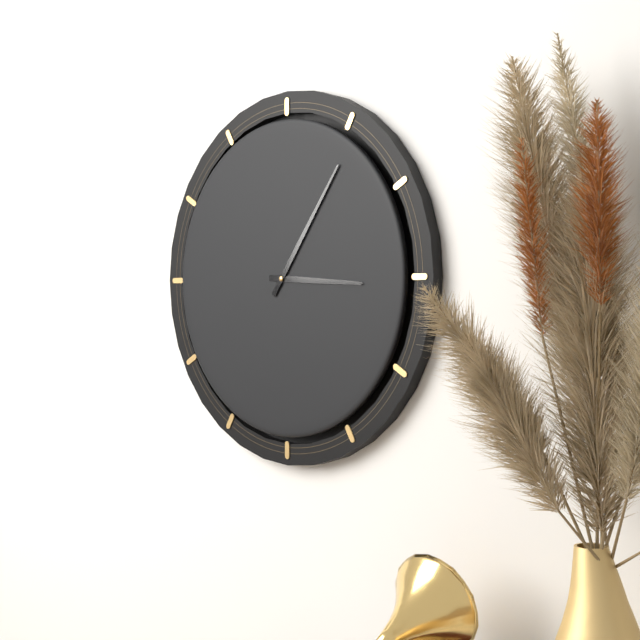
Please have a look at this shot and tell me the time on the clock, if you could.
3:06
